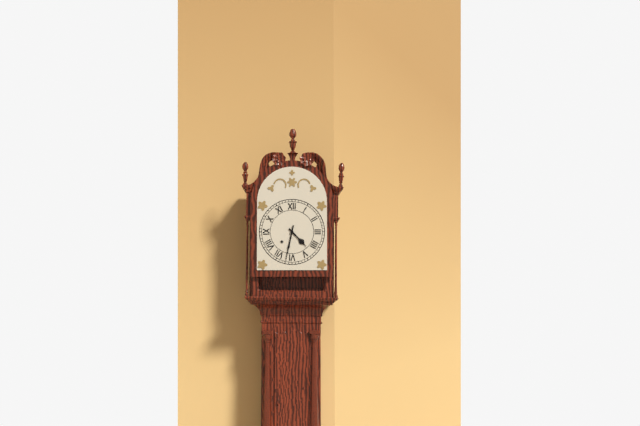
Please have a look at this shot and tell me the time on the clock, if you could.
4:32
